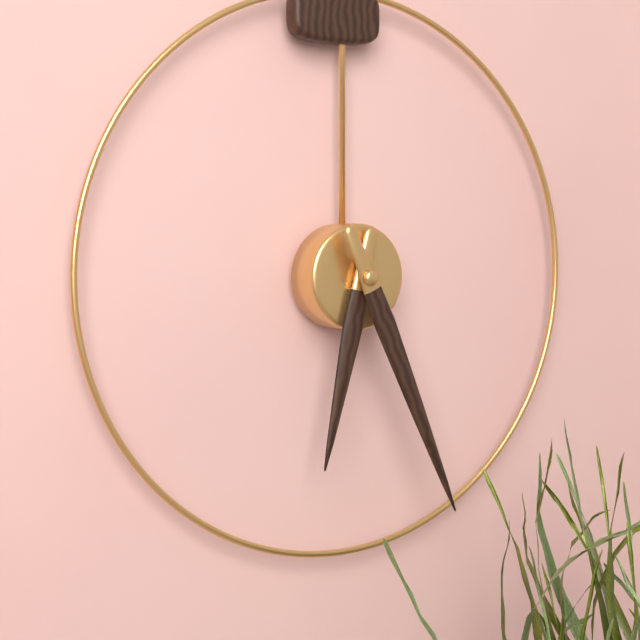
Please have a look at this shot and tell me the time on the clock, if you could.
6:26
